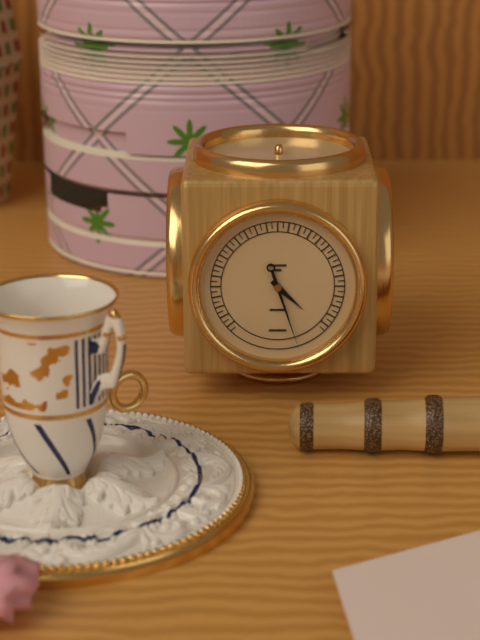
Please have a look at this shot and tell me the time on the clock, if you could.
4:27
